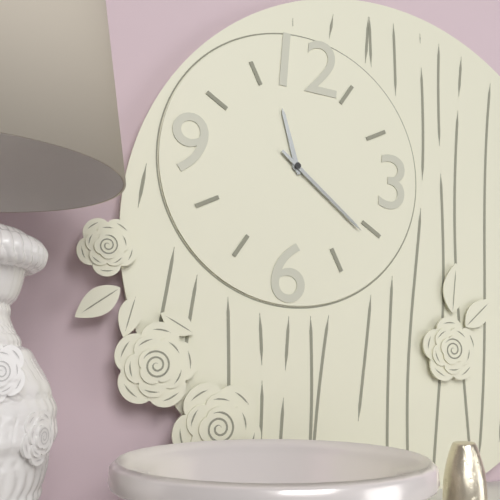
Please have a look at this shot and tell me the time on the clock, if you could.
11:21
